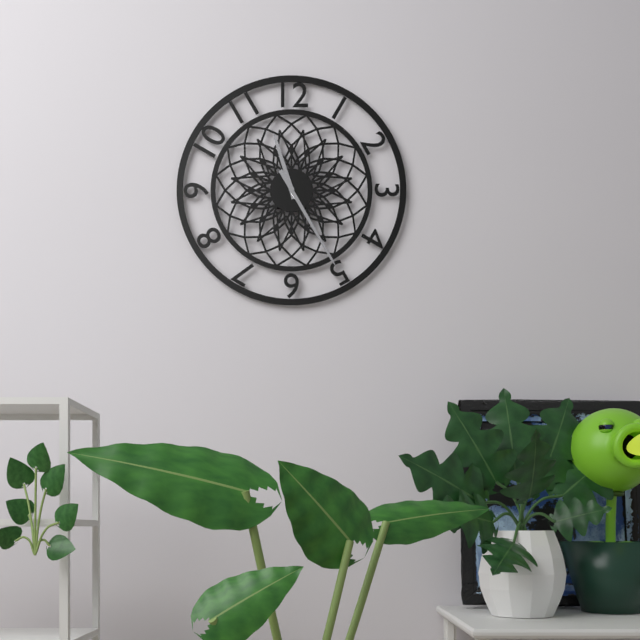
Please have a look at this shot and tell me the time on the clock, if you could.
11:25
